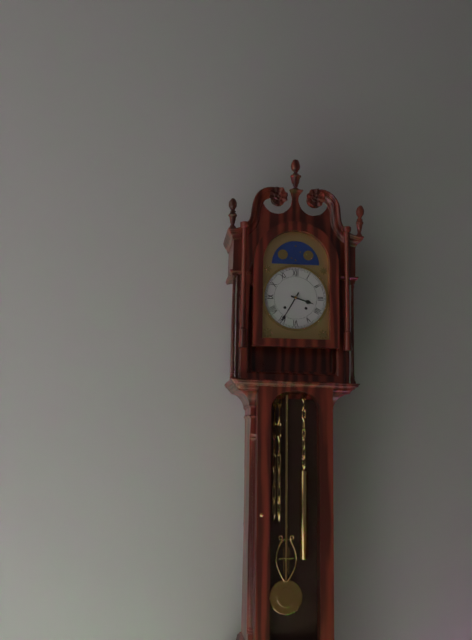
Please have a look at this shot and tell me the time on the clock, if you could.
3:35
